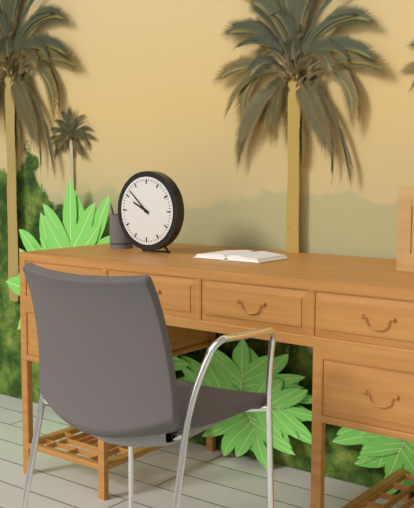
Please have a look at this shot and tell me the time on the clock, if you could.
9:52
